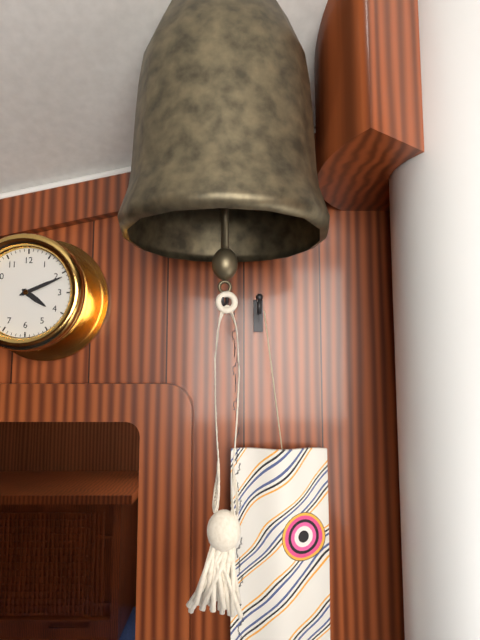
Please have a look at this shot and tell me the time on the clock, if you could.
4:11
